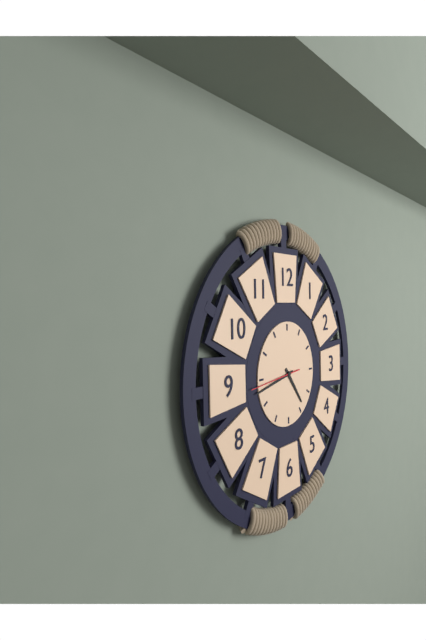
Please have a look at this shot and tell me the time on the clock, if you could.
4:43
